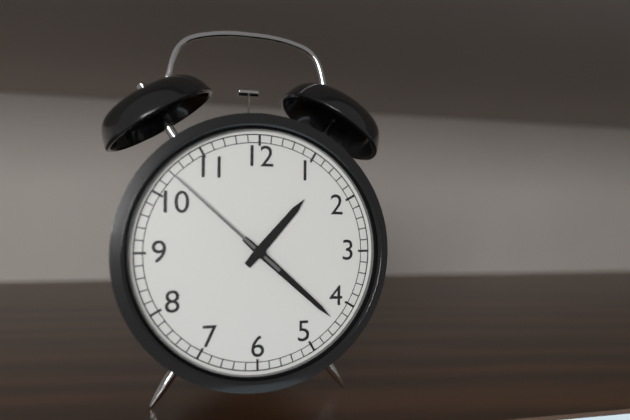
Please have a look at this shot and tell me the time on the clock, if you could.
1:22:52
